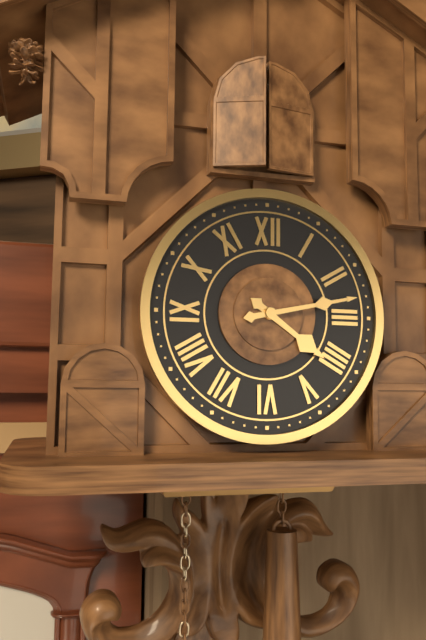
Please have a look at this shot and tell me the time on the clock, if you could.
4:13
